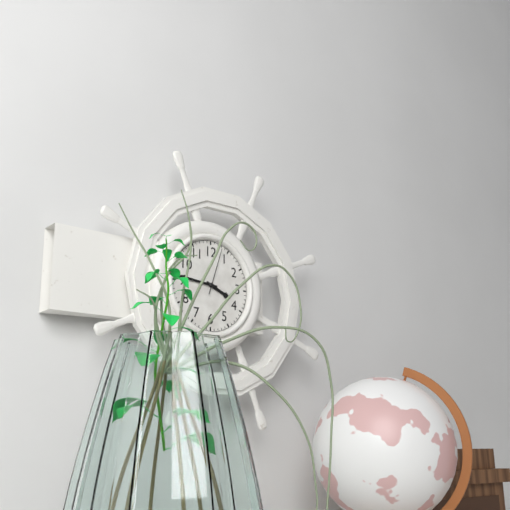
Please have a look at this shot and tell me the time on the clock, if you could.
3:46
